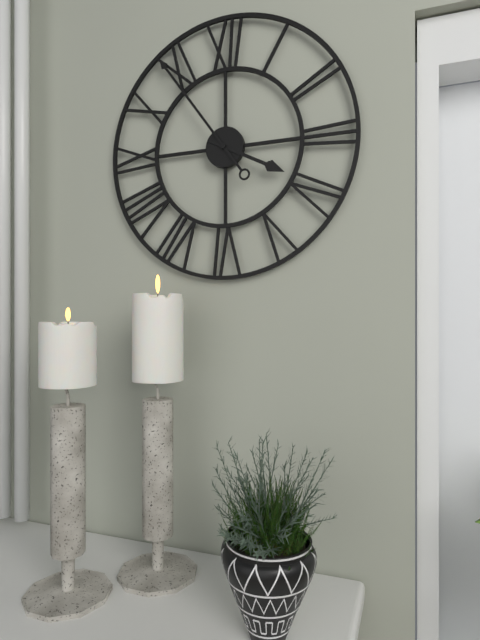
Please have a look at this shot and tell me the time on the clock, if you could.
3:54
